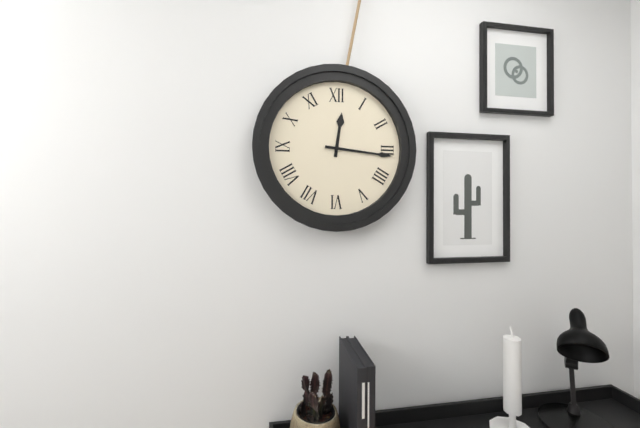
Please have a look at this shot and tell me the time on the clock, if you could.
12:16
